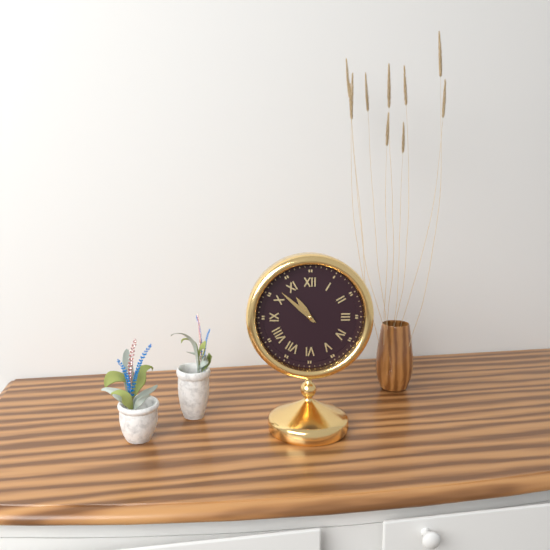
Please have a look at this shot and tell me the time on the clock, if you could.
10:52
